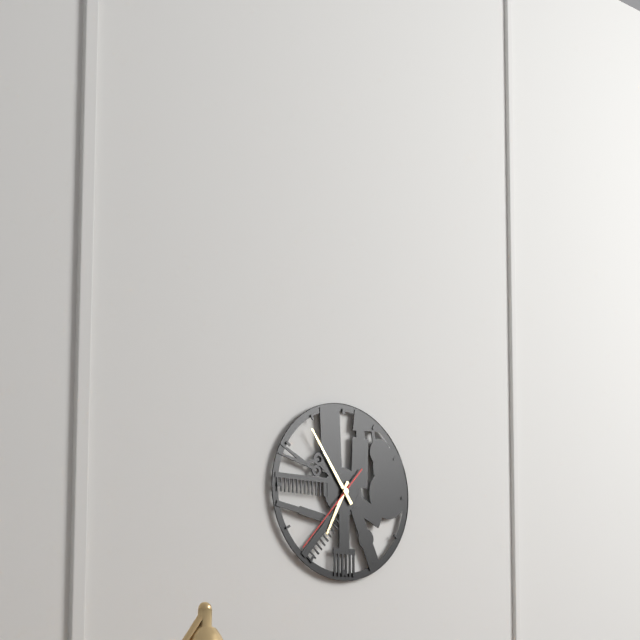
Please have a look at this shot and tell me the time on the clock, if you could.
6:54:37
